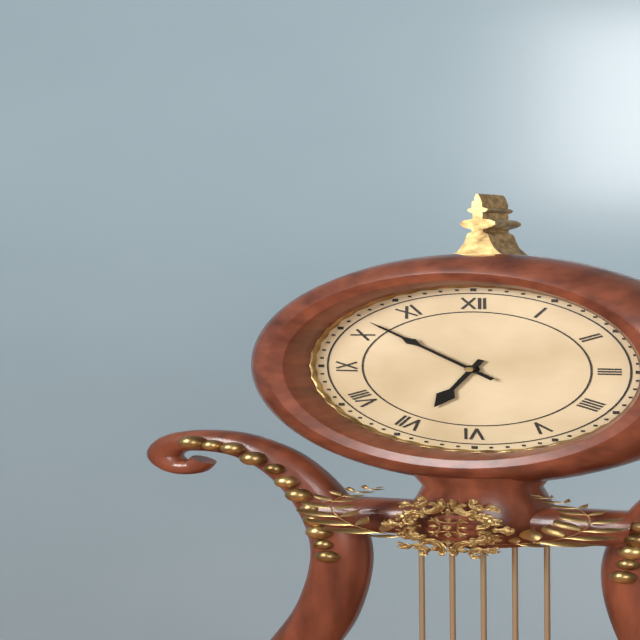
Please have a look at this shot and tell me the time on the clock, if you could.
6:52
